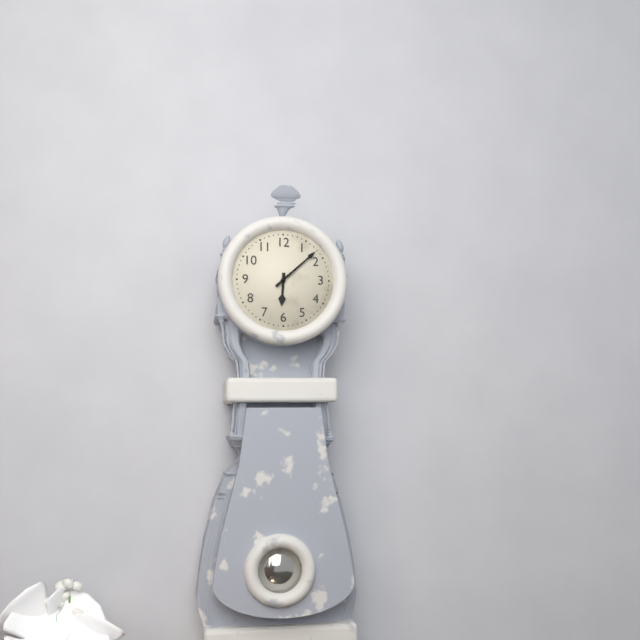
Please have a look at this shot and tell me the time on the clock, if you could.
6:08
